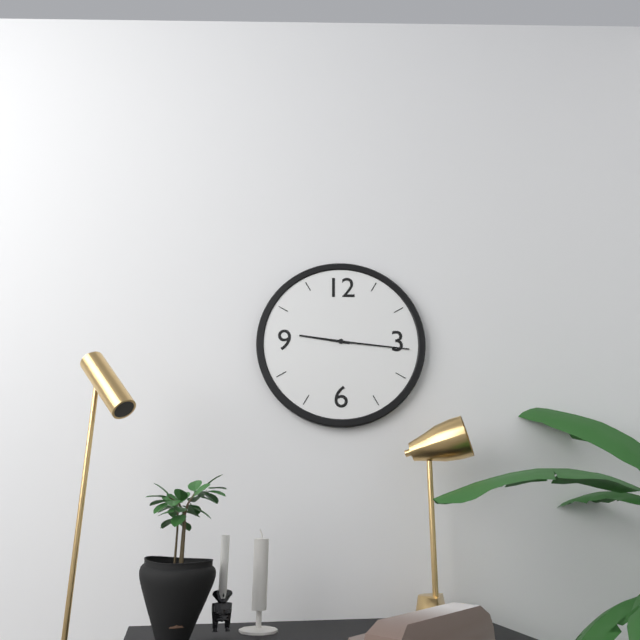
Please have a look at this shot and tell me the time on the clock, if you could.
9:16
